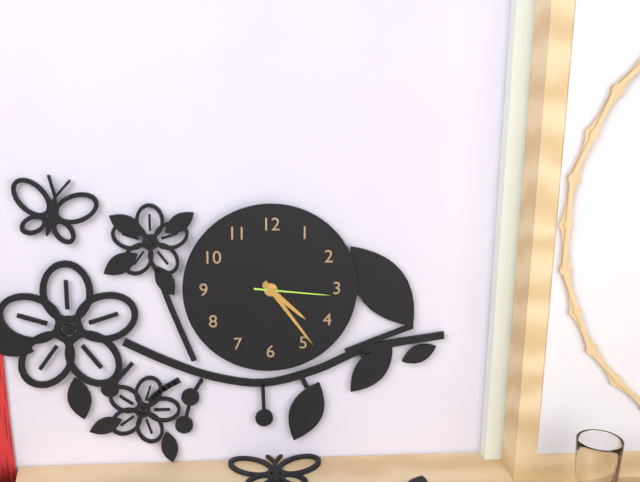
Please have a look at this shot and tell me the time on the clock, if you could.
4:24:16
